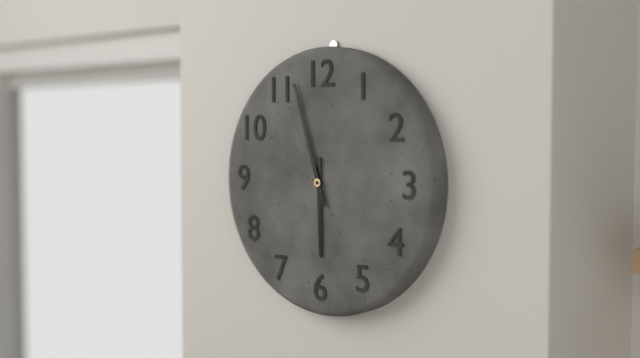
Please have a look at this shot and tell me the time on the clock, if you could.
5:57
